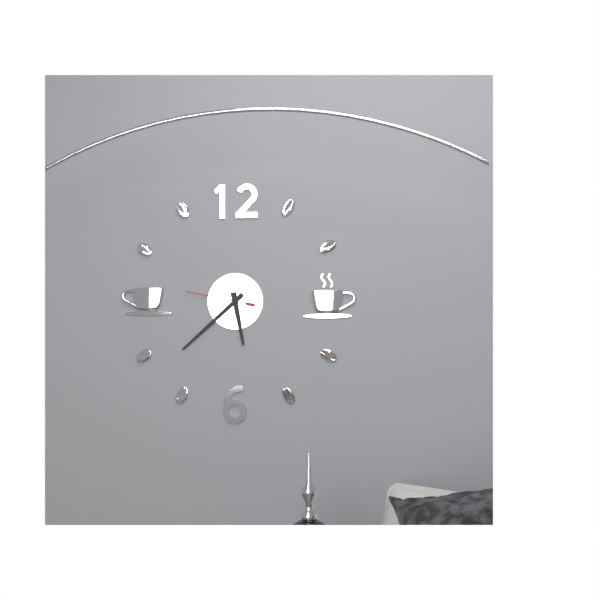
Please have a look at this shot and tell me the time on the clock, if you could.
5:38:47
